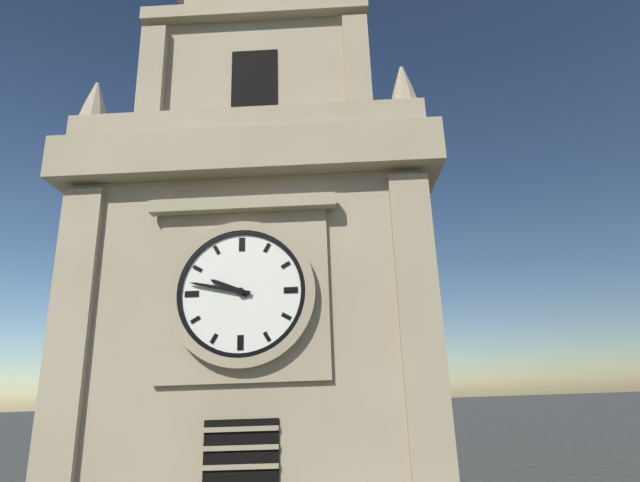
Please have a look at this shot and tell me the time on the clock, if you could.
9:47
